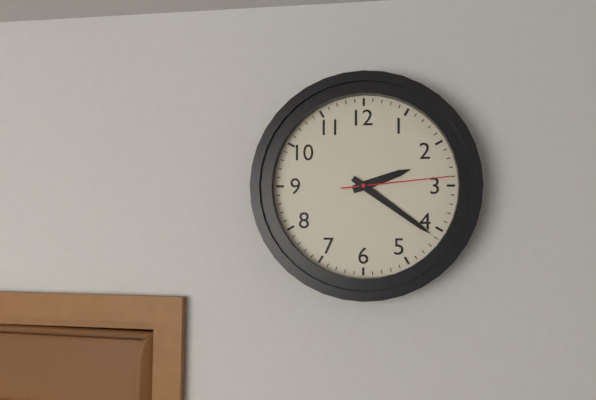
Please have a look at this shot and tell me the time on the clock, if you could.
2:21:14
